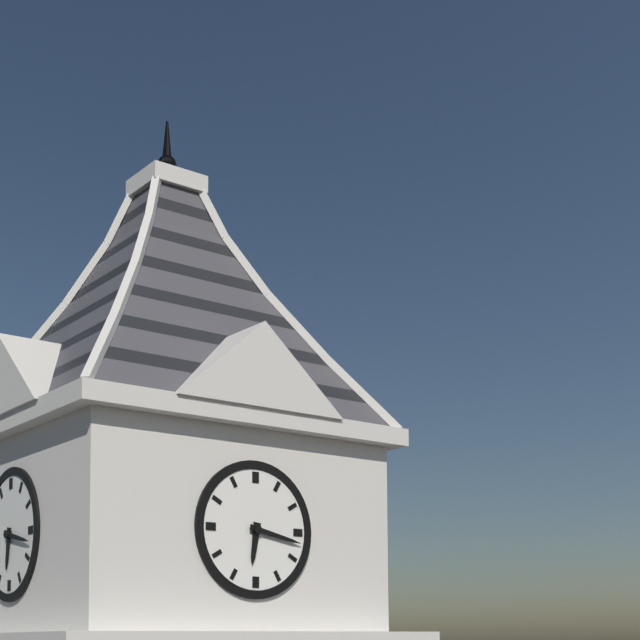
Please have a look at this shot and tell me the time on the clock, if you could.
6:17
